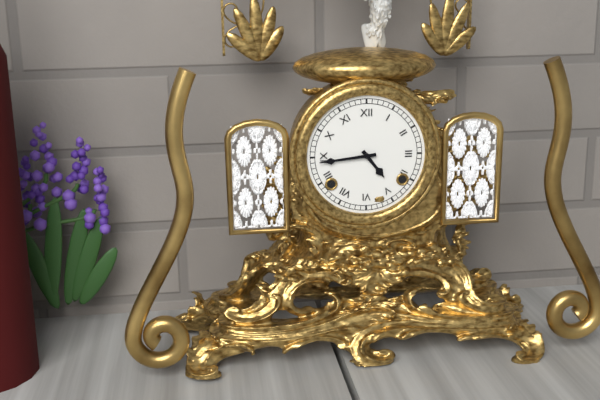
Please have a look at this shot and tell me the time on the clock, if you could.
4:44
